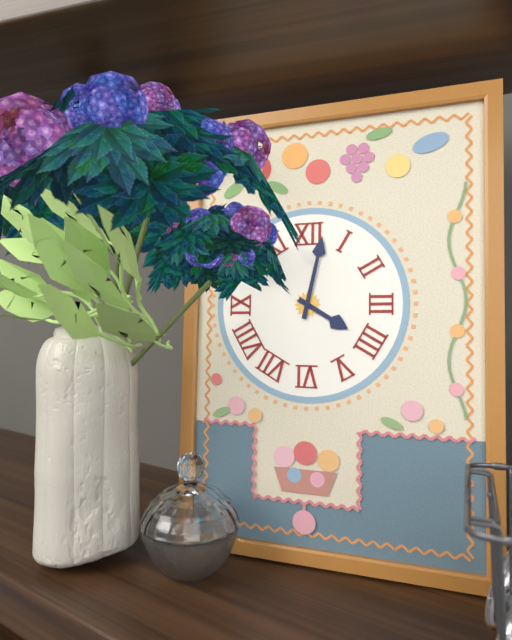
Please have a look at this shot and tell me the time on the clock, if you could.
4:02
